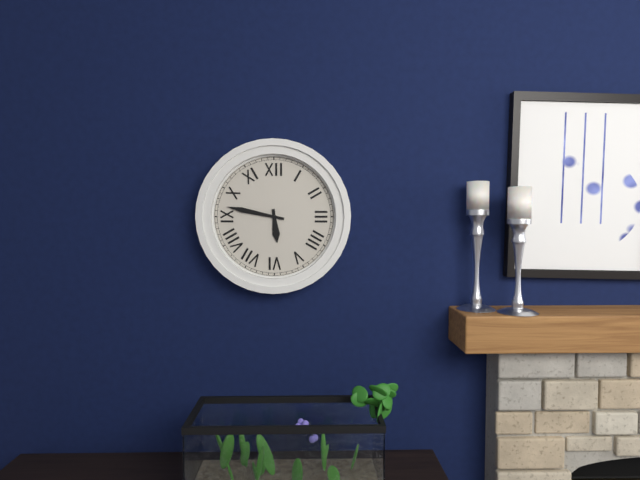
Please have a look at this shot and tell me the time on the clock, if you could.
5:47
